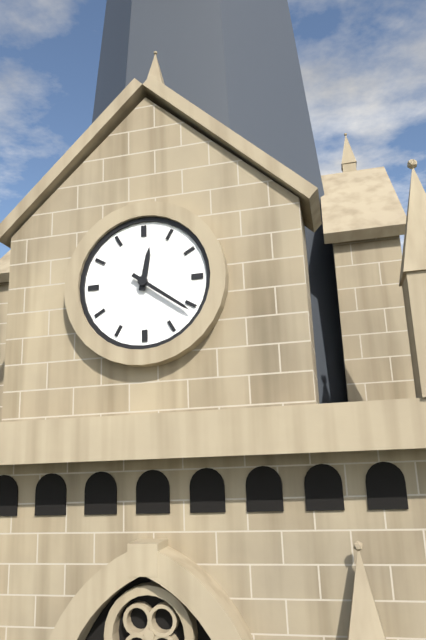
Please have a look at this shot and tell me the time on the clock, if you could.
12:21
